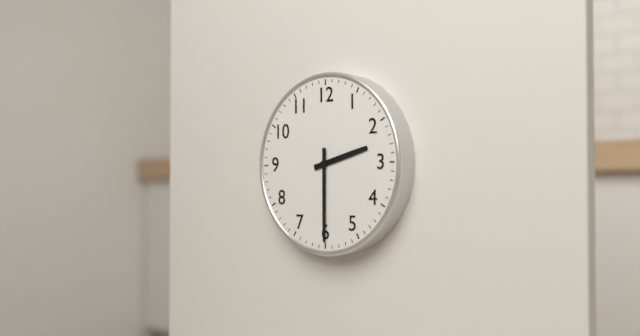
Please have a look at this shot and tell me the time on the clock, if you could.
2:30
